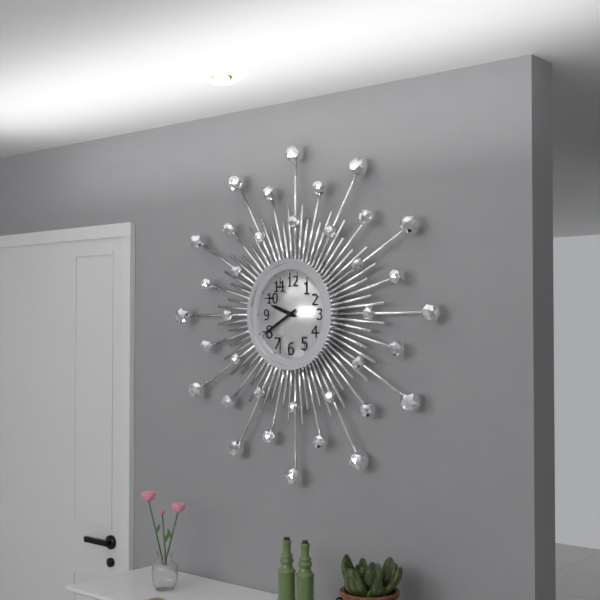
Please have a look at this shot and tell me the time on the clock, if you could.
9:40
